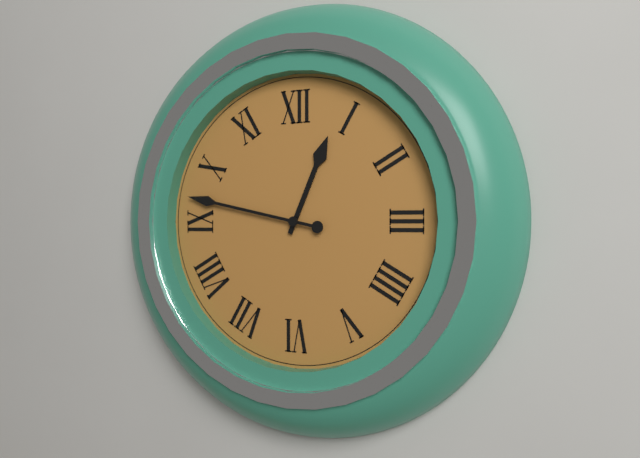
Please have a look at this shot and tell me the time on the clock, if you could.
12:47
